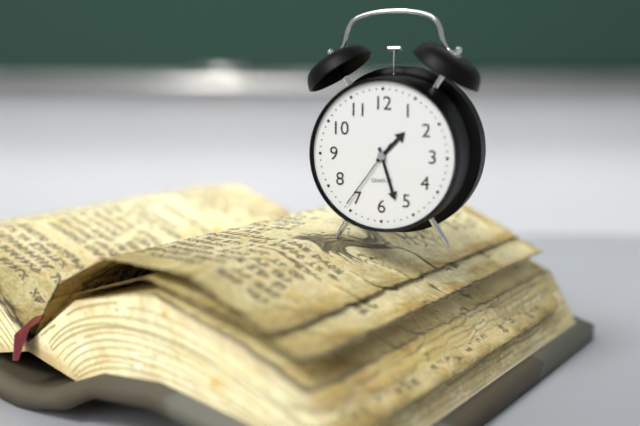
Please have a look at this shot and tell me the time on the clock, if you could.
1:27:36
